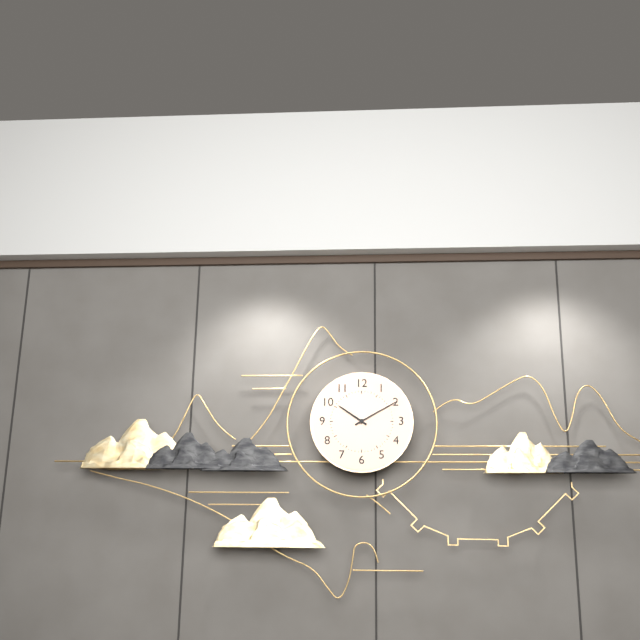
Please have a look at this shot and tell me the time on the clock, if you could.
10:10
